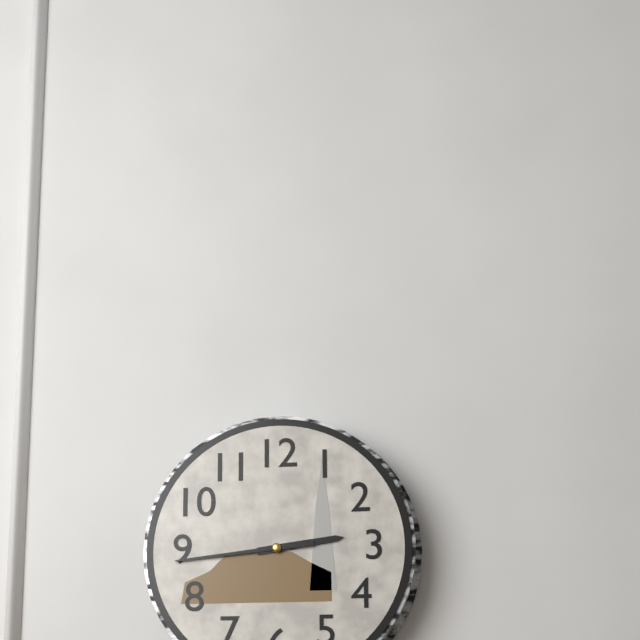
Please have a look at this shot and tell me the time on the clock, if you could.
2:44
